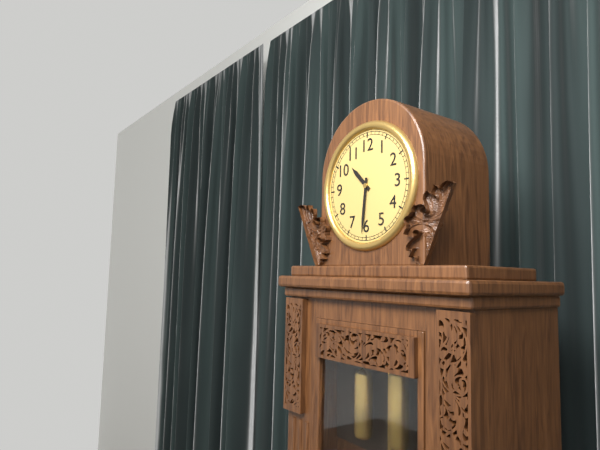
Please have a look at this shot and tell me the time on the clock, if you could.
10:31
